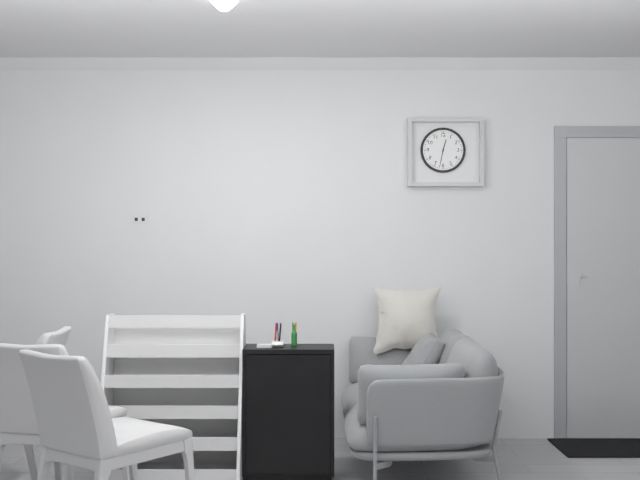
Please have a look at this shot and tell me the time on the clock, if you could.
12:32
